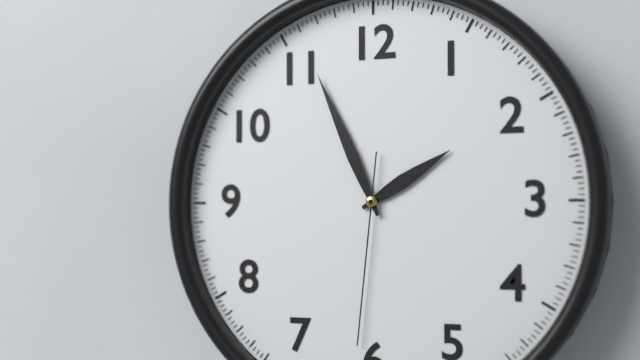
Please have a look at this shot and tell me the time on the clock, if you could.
1:56:31
